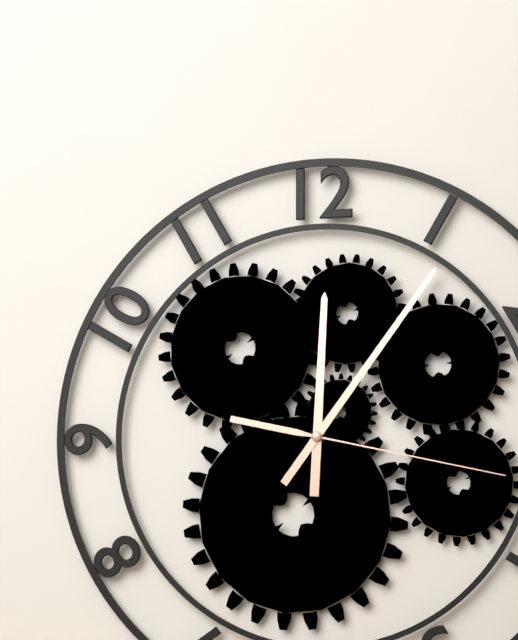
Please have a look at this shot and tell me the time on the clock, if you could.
12:06:17
